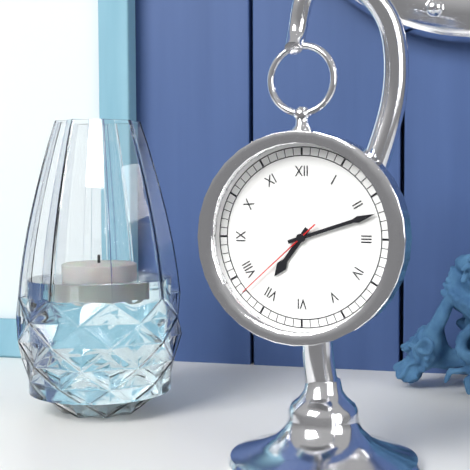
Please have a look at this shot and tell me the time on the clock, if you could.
7:12:38
